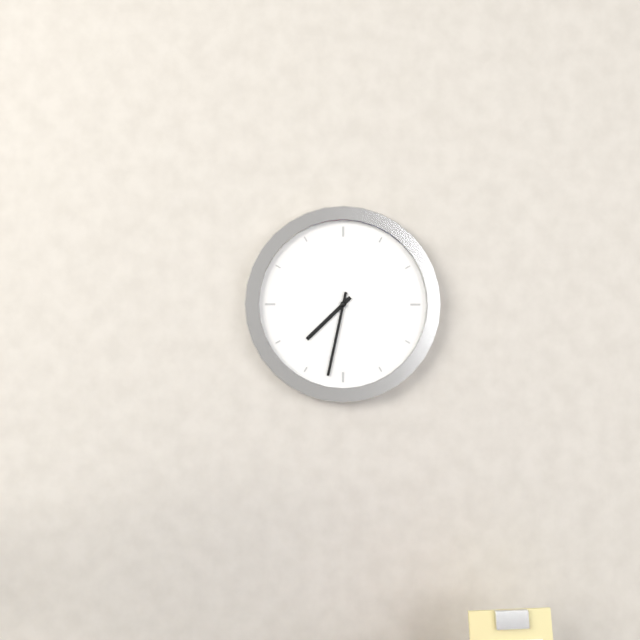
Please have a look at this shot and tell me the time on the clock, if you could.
7:32
